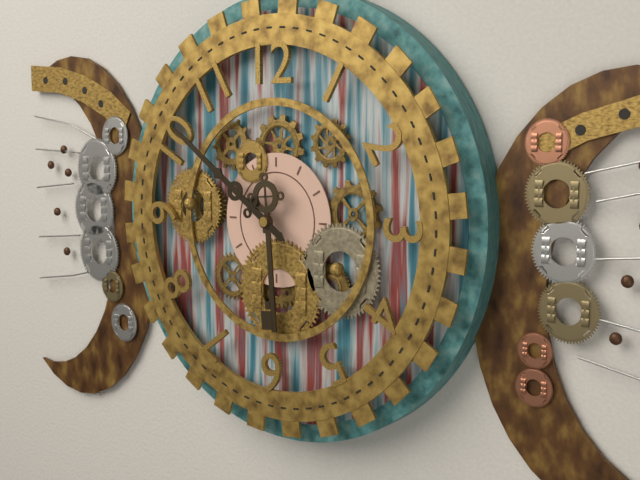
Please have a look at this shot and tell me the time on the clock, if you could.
5:51
